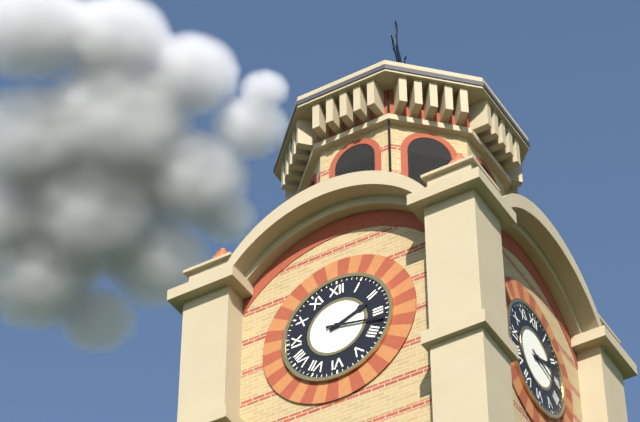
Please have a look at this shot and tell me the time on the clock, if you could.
2:17
